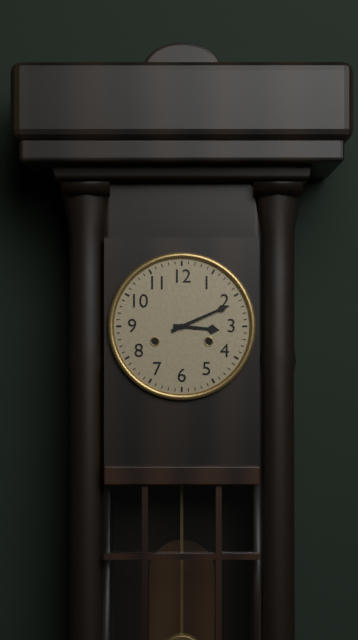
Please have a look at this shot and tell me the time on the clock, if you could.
3:11
